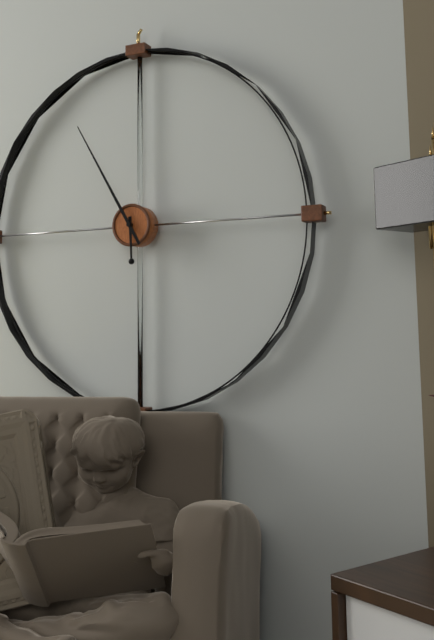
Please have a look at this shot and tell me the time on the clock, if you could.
5:55
